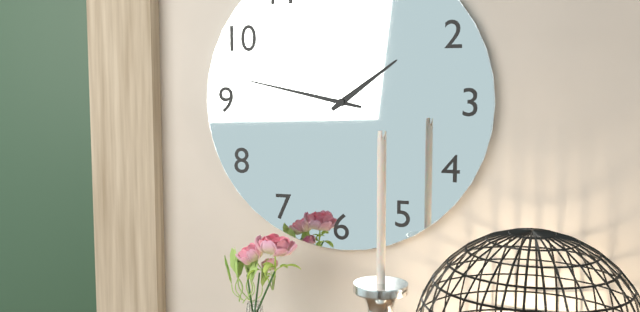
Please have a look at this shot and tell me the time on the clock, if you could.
1:47
